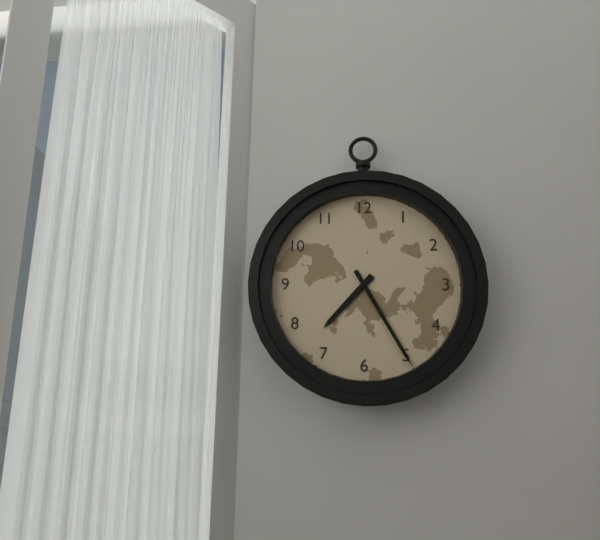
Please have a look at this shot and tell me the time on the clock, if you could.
7:25
